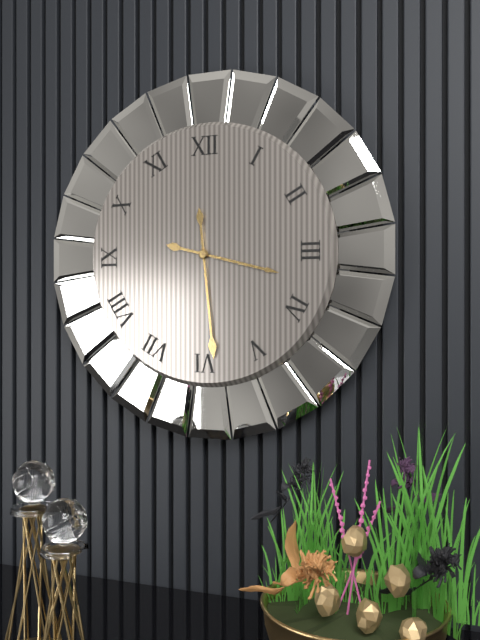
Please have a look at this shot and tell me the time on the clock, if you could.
3:29
